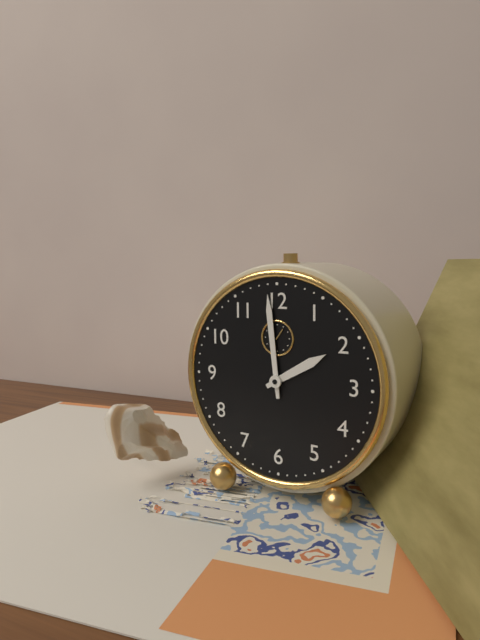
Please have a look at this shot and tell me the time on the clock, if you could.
1:59
